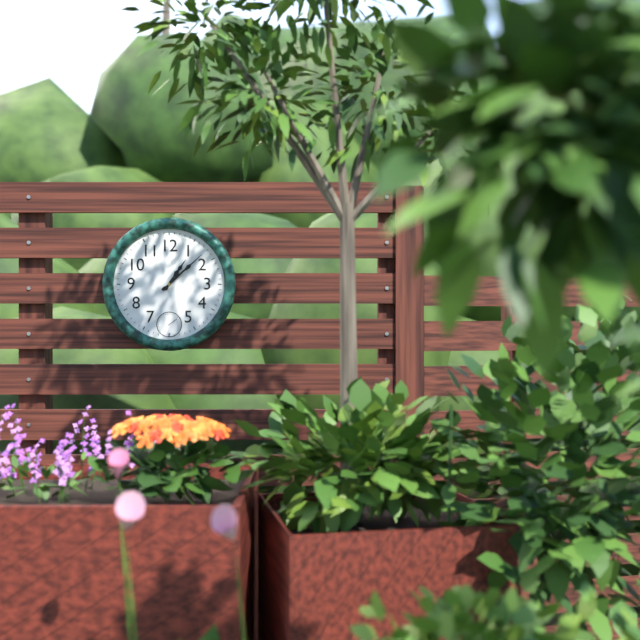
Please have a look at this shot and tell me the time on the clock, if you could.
1:08
